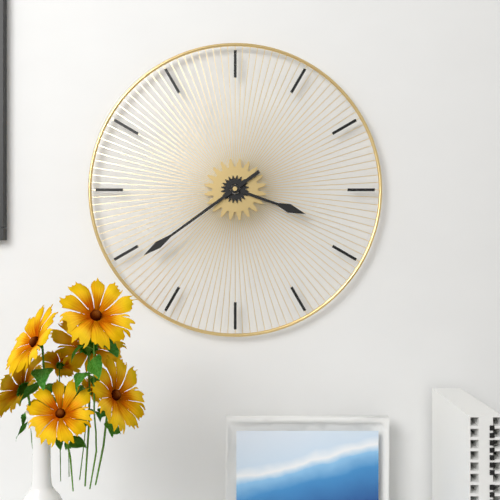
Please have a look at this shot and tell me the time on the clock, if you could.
3:39
